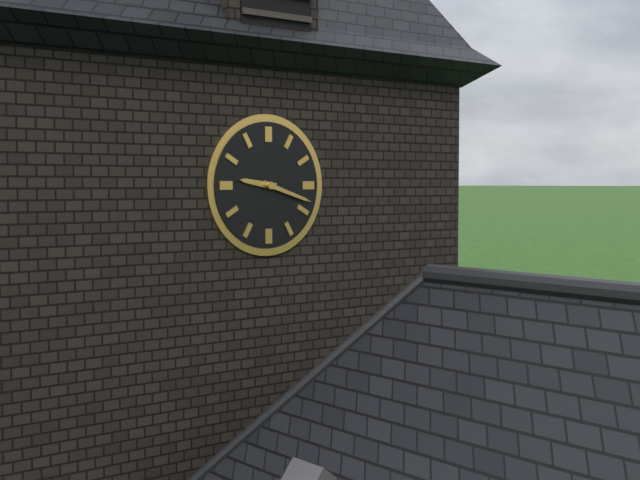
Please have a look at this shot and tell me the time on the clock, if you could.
9:18
